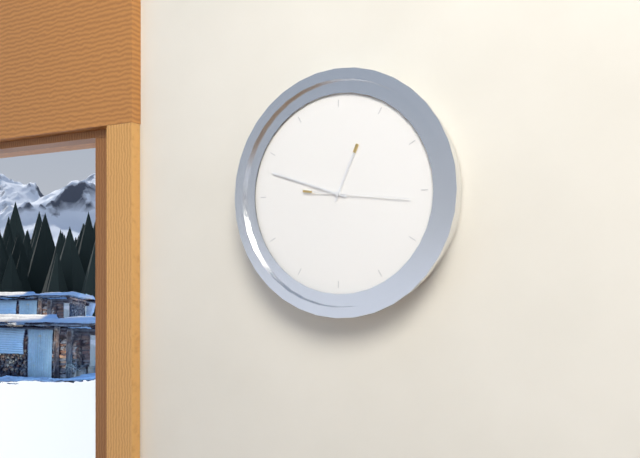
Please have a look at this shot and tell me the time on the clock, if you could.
12:48:16
